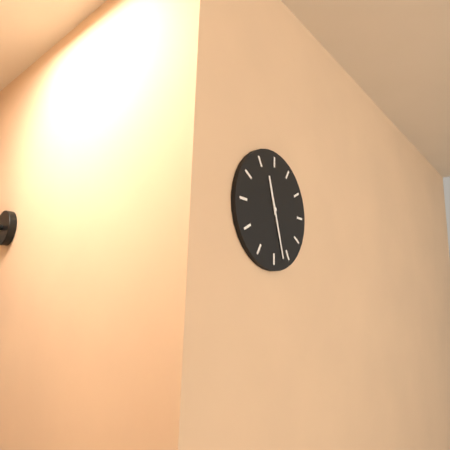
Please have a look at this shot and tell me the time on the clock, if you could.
11:27
